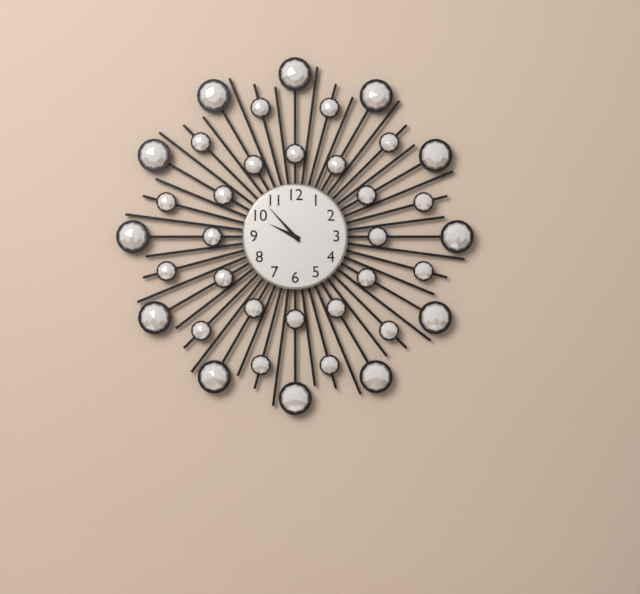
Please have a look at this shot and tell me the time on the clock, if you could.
9:53
